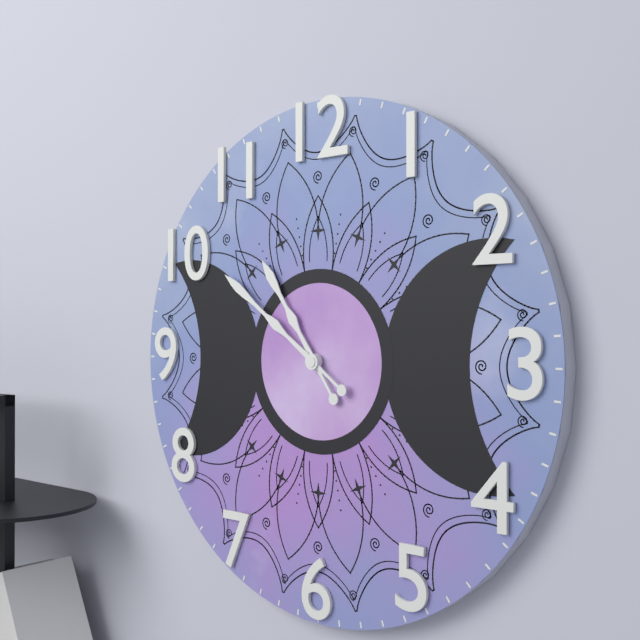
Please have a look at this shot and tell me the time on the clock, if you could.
10:51
